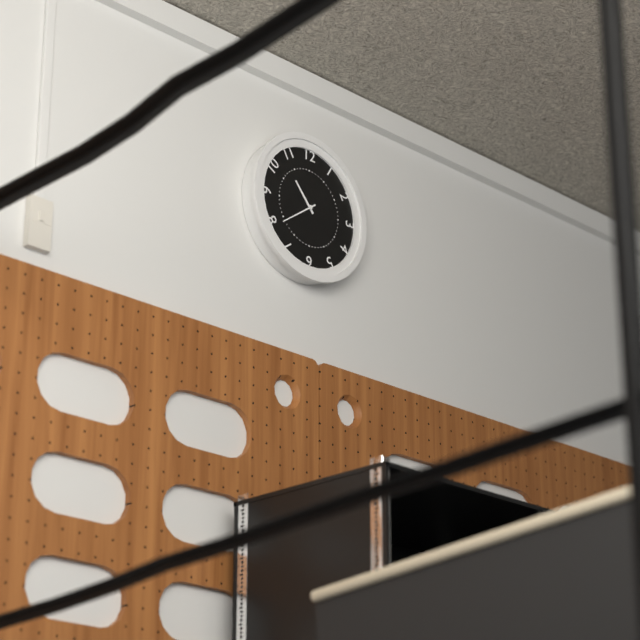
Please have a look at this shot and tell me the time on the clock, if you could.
10:39
